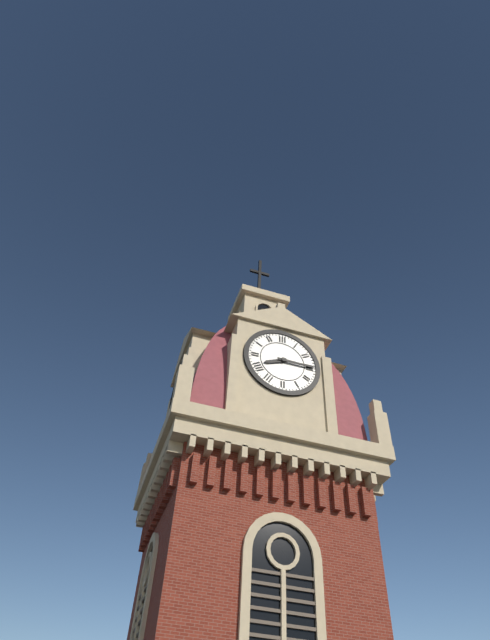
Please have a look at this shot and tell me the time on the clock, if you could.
8:15
